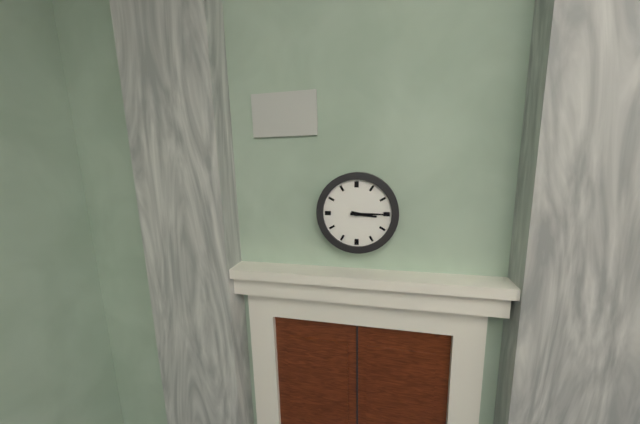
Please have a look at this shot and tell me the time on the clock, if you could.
3:15
